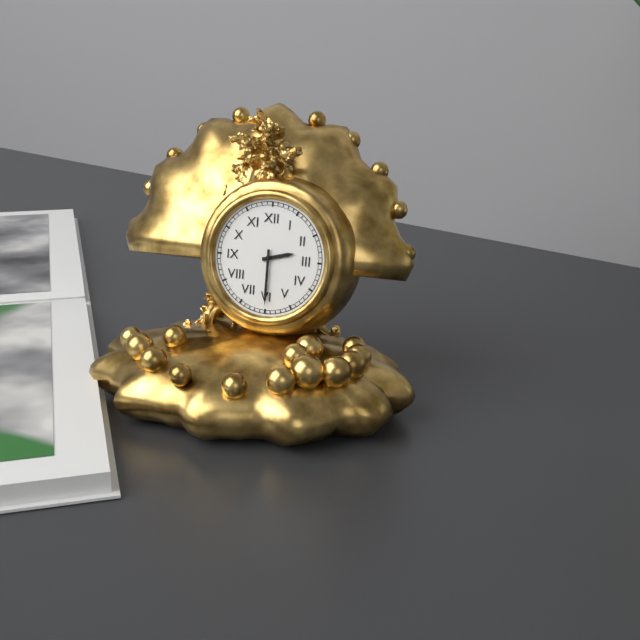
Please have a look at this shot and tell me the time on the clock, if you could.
2:30
